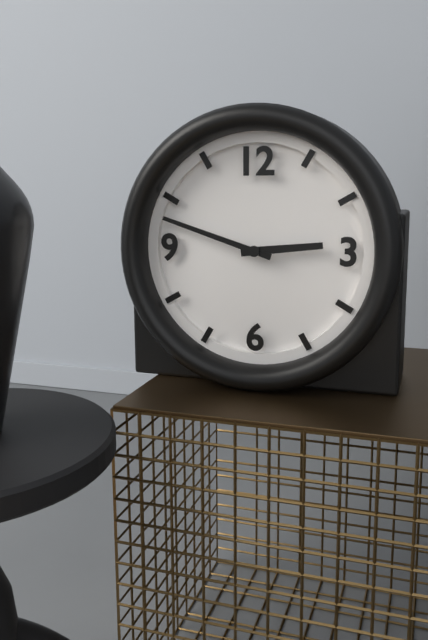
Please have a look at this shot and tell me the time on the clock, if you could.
2:48
